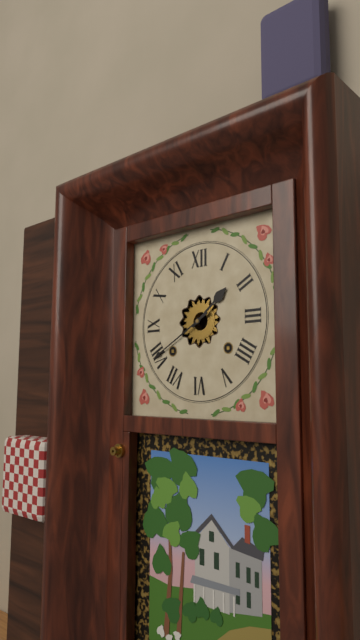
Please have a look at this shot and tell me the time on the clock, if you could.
1:40
